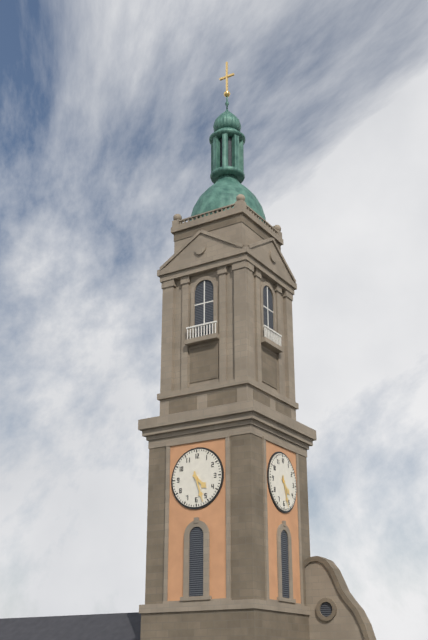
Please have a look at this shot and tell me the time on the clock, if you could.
4:27
